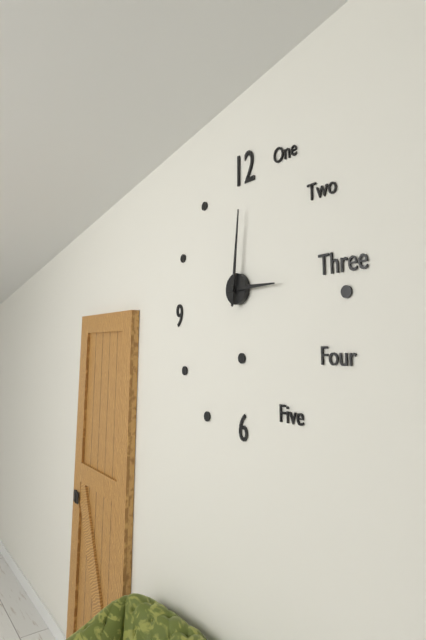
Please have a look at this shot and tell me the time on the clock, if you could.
3:01
